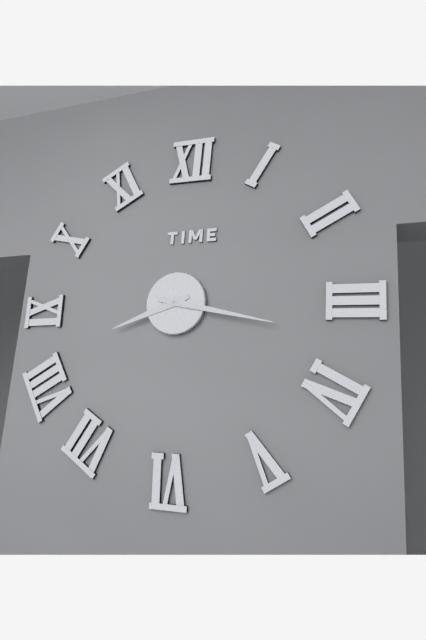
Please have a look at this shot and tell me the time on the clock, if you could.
8:17
